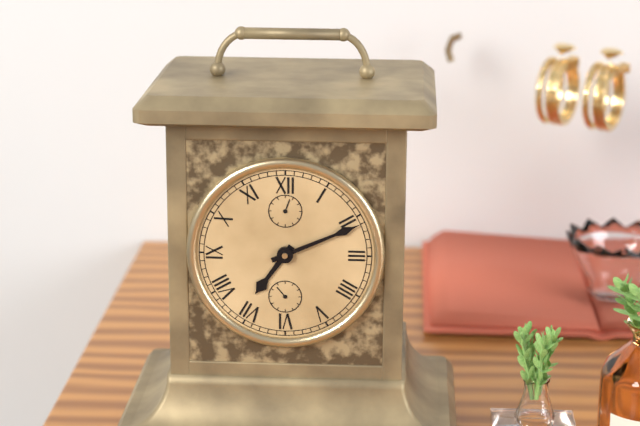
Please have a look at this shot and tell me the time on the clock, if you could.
7:11
